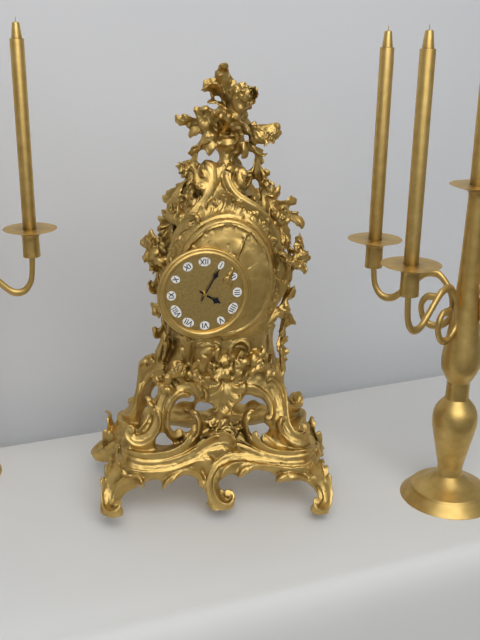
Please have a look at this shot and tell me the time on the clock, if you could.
4:05
